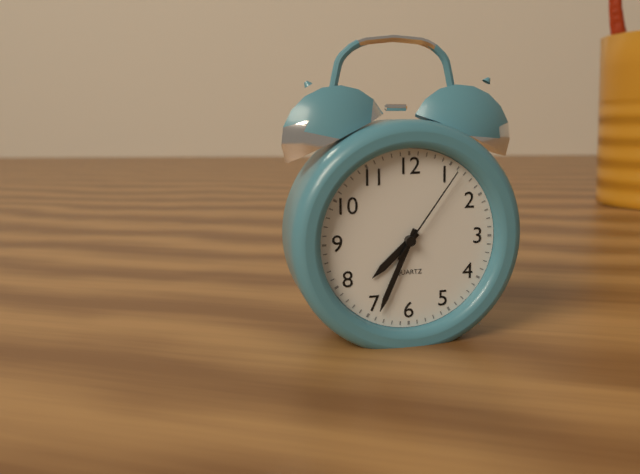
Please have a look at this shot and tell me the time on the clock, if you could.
7:34:06
